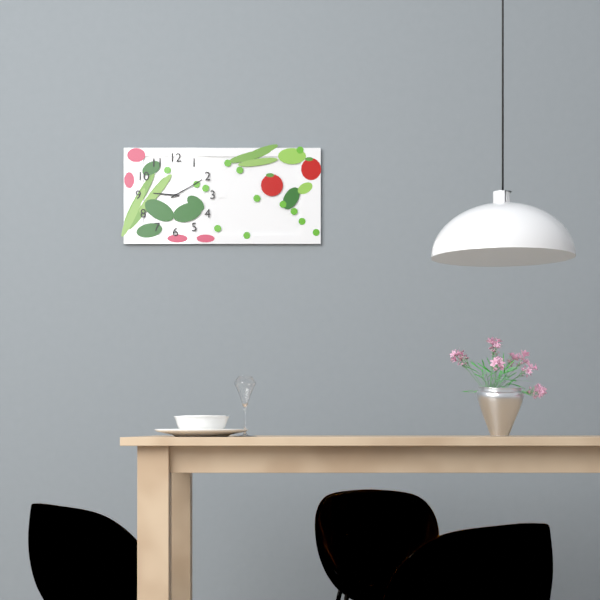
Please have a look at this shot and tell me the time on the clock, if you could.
9:10
